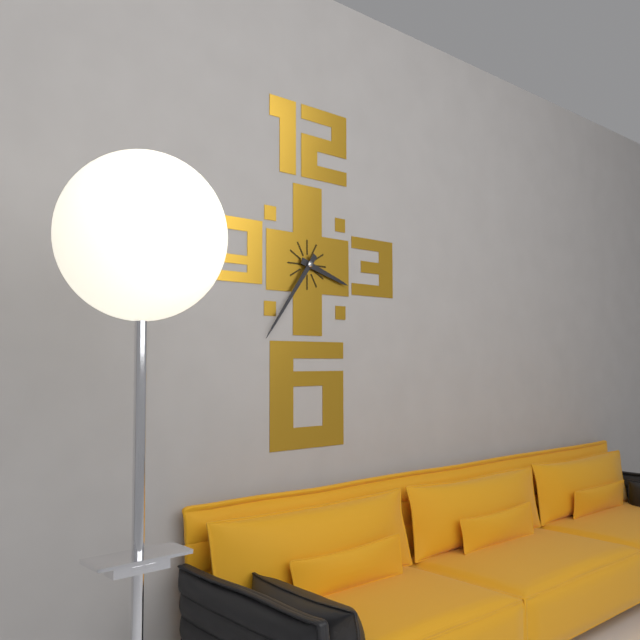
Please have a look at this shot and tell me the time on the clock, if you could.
3:36
